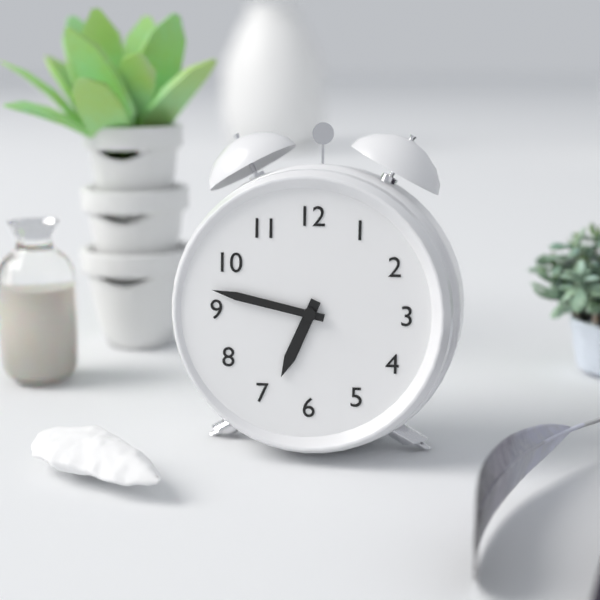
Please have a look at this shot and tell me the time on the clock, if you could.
6:47
